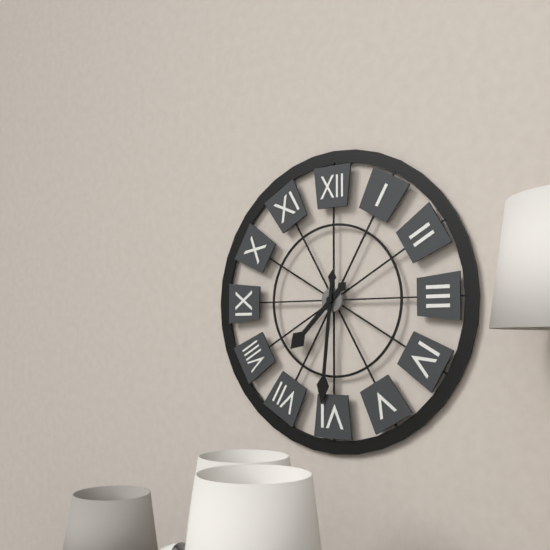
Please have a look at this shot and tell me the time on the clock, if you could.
7:31
